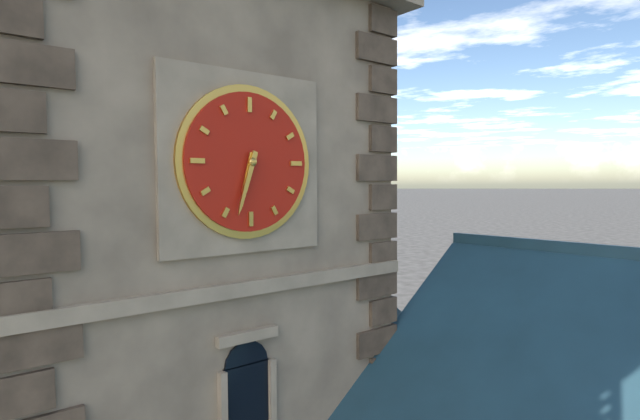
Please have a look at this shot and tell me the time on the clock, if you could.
6:33
